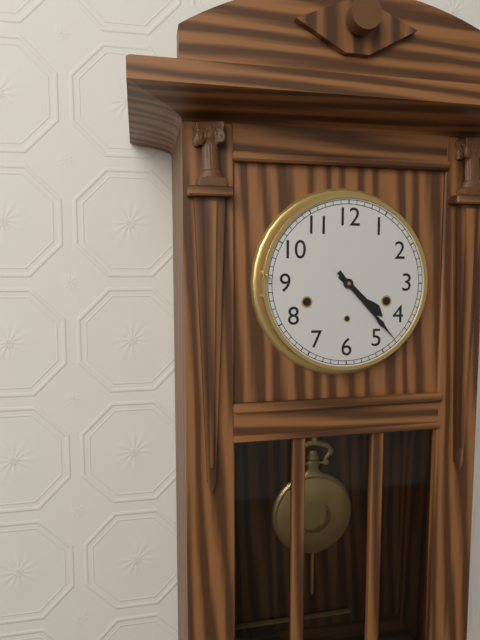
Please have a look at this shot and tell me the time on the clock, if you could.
4:23
